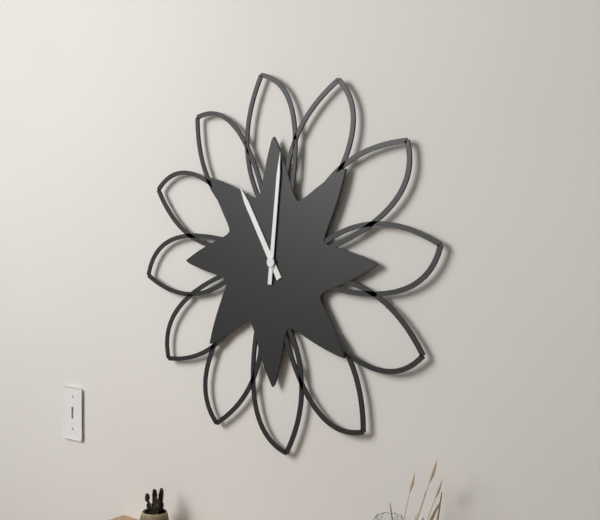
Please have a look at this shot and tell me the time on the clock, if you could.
11:01
